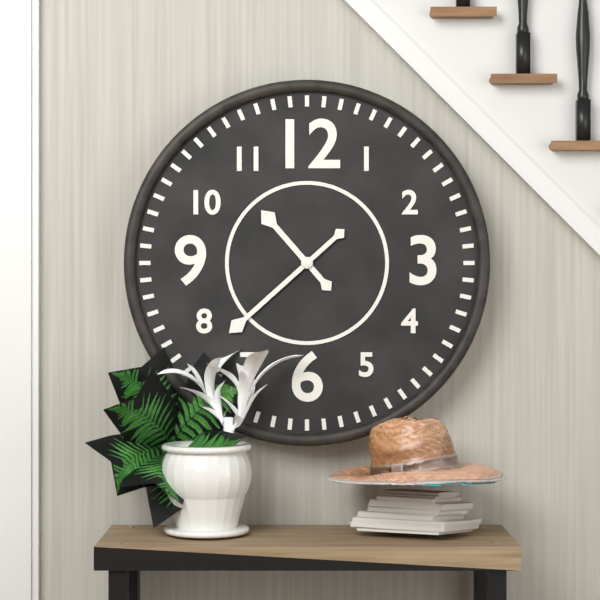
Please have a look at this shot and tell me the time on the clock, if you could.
10:38
